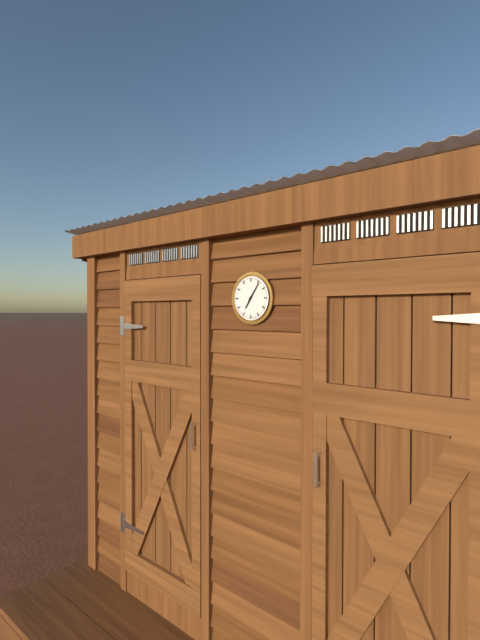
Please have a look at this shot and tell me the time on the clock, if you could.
7:06
